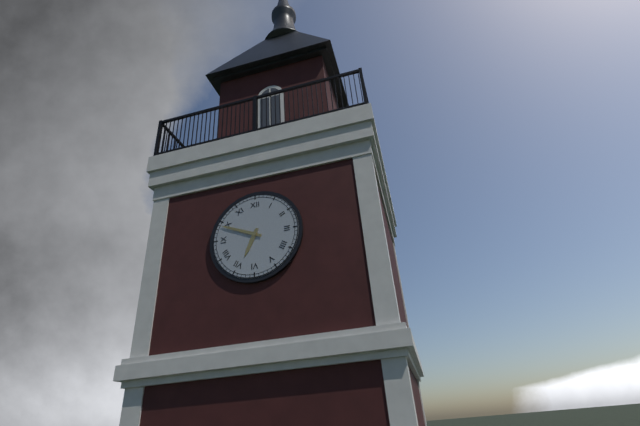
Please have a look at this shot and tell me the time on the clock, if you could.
6:49
